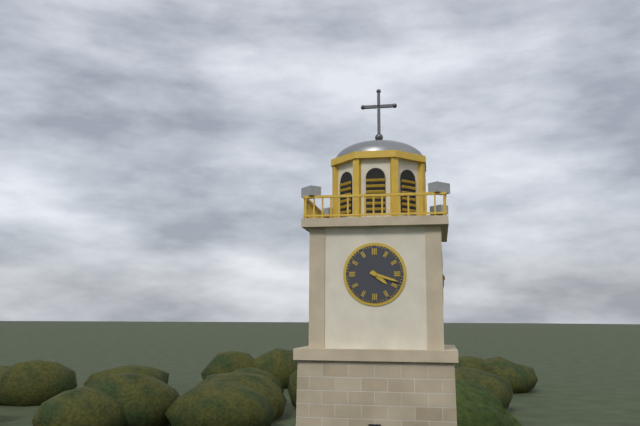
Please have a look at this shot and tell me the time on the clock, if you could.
4:18
